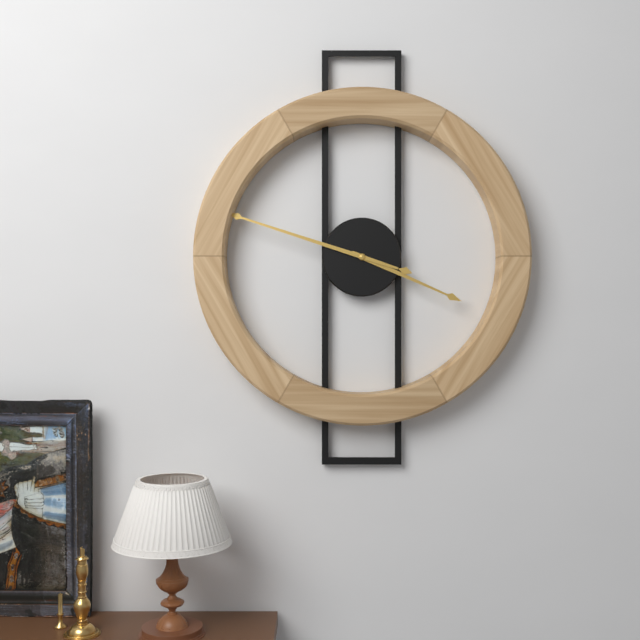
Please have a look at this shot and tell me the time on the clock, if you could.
3:48
